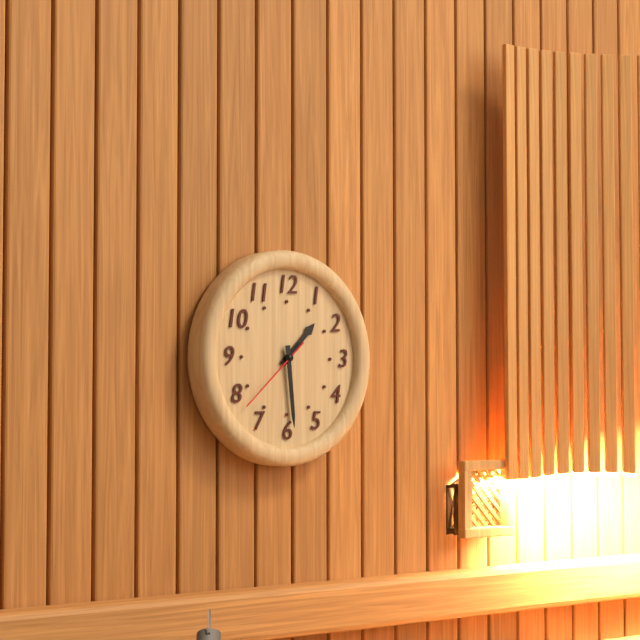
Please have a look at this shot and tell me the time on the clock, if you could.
1:29:38
